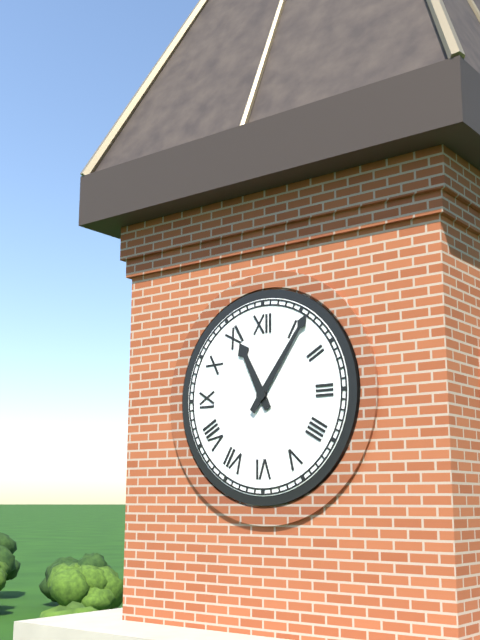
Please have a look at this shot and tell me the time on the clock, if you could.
11:06
